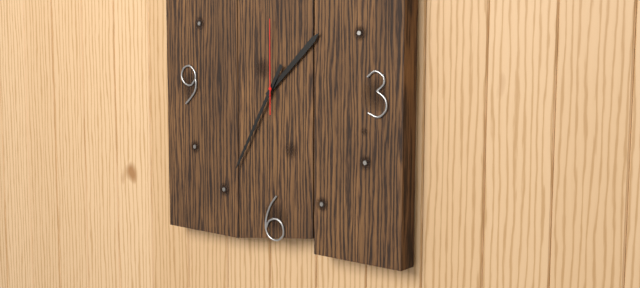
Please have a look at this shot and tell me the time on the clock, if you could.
1:35:00
